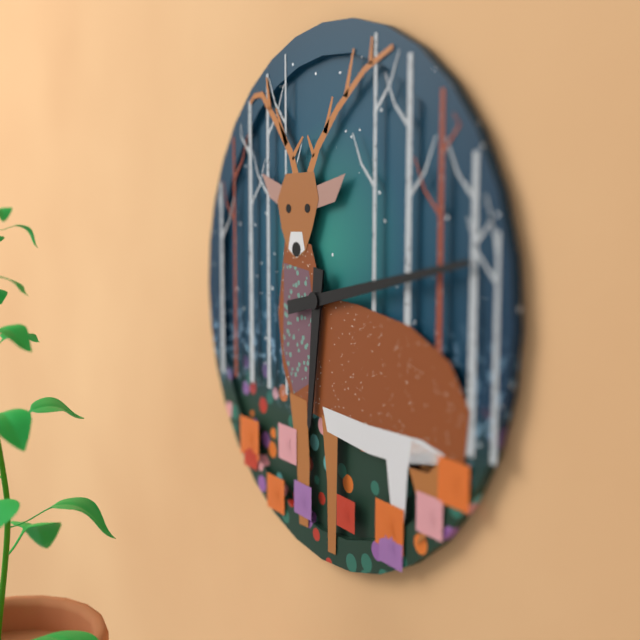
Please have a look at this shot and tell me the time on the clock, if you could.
6:13
